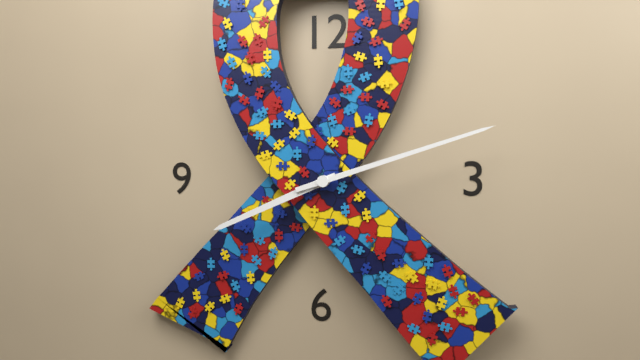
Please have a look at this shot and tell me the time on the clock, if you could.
8:12
